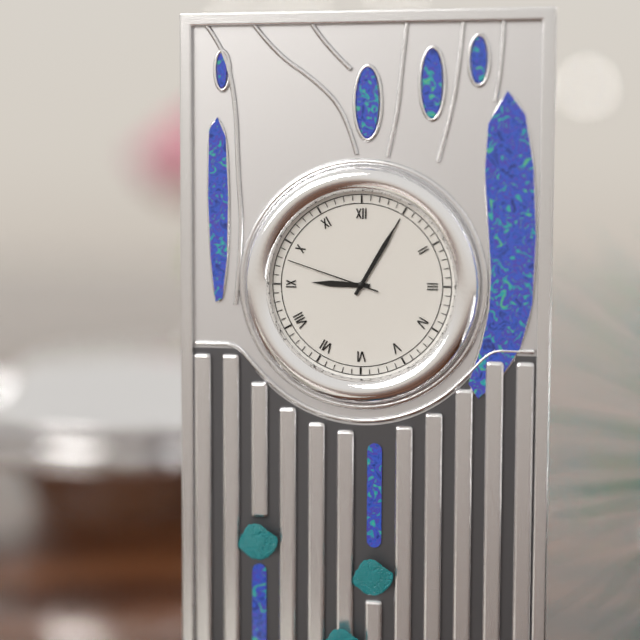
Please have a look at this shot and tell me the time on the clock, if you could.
9:05:48
